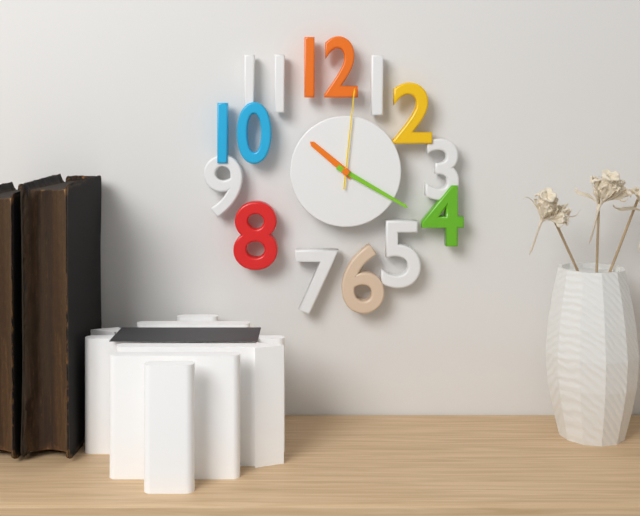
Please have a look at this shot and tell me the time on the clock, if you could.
10:20:01
